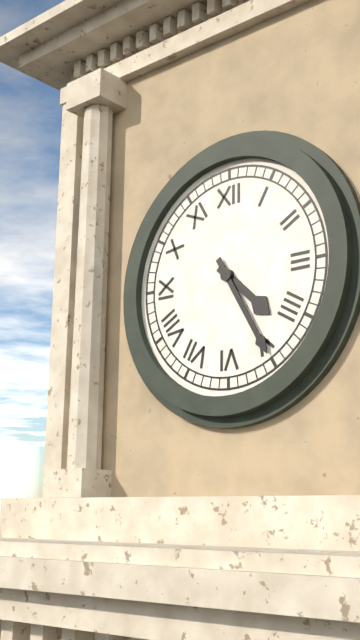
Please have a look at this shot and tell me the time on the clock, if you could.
4:25
